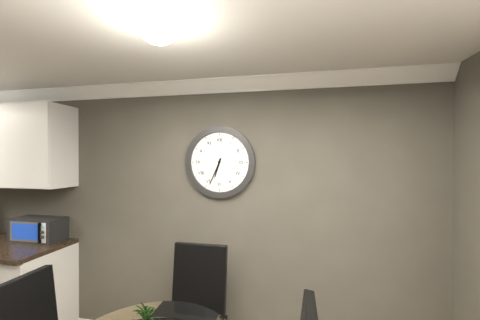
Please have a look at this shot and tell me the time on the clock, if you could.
6:34
